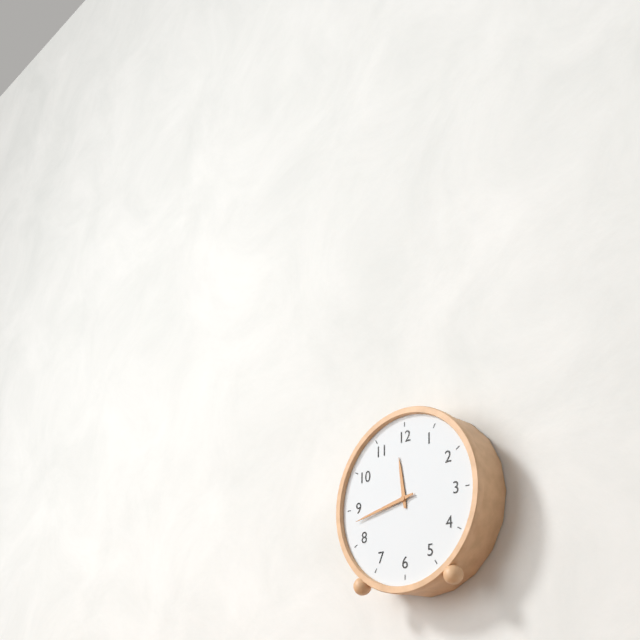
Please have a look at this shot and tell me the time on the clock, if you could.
11:43
